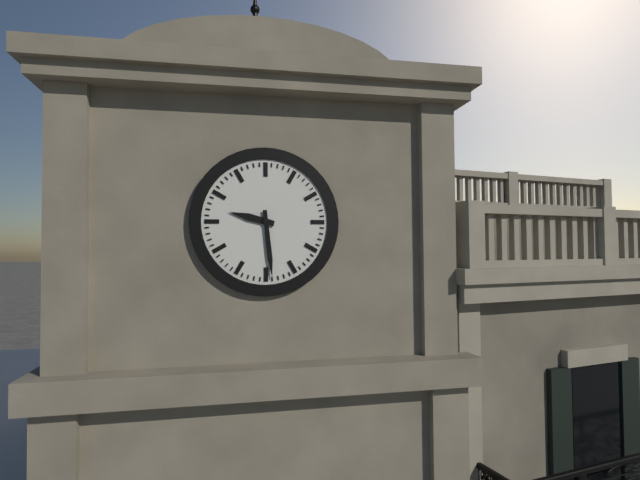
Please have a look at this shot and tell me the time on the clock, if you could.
9:29
